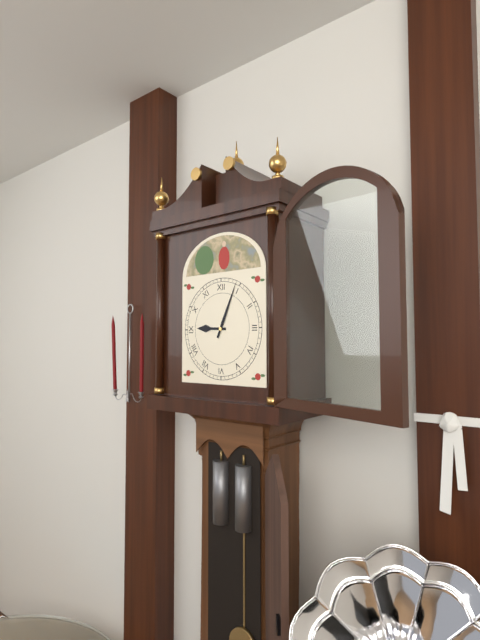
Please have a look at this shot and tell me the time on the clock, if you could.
9:04
